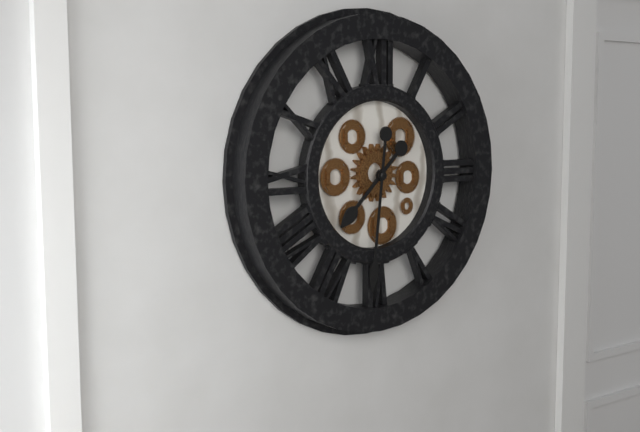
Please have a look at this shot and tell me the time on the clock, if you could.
7:31
